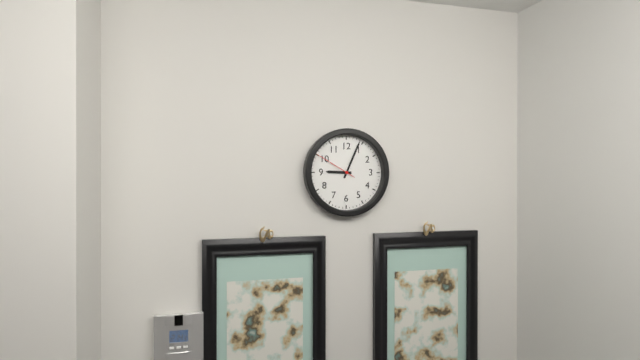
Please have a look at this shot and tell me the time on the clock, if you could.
9:04
